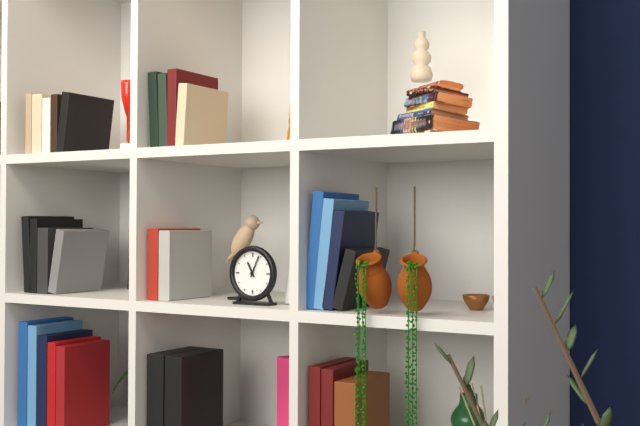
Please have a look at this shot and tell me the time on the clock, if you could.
11:04
